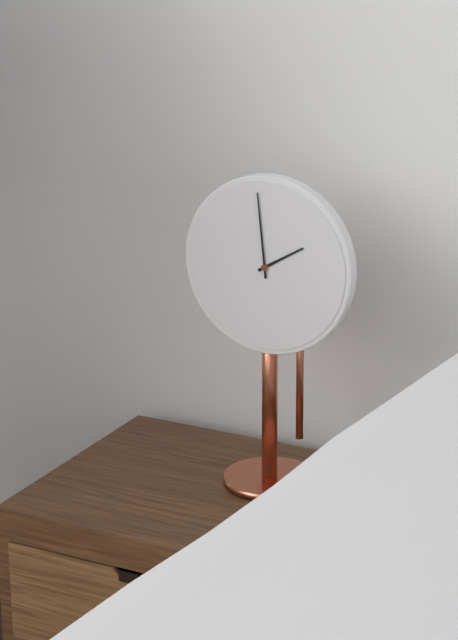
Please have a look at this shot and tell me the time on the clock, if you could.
1:59
